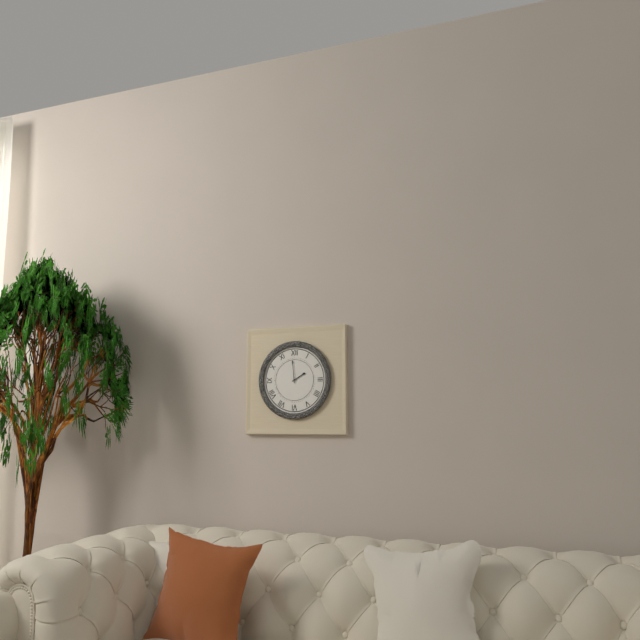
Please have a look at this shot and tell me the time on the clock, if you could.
1:59
